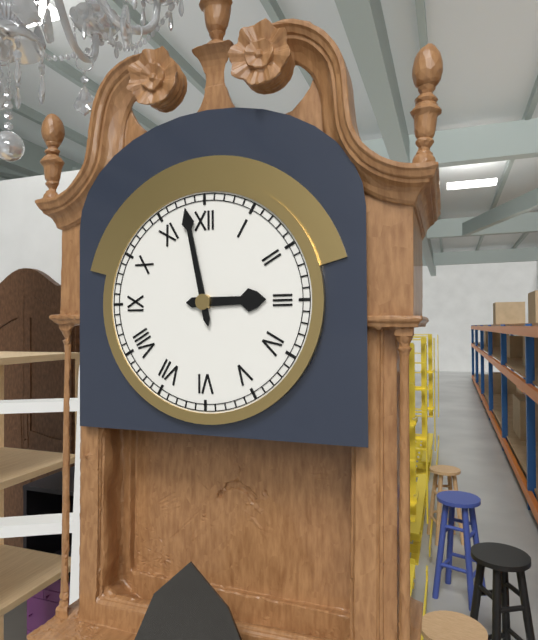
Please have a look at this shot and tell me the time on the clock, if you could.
2:58
